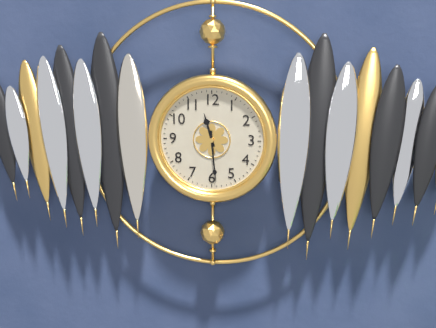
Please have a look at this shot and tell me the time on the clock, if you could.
11:29
